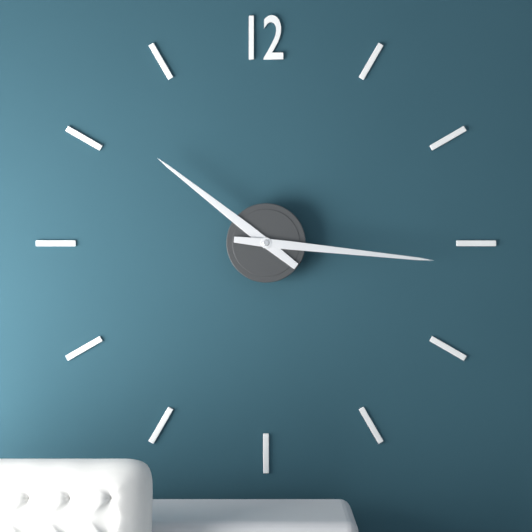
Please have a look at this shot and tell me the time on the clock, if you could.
10:16
